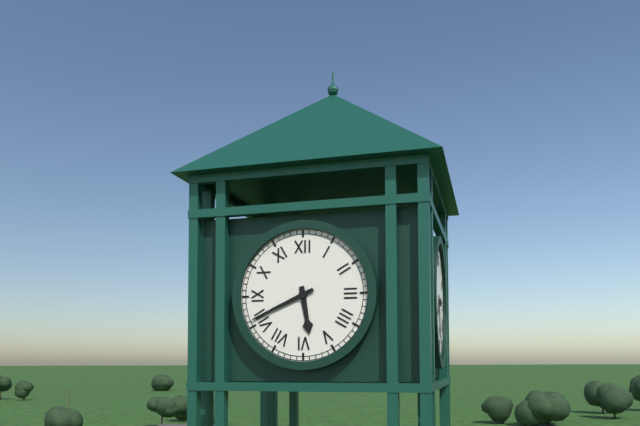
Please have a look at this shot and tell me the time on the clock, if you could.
5:41
